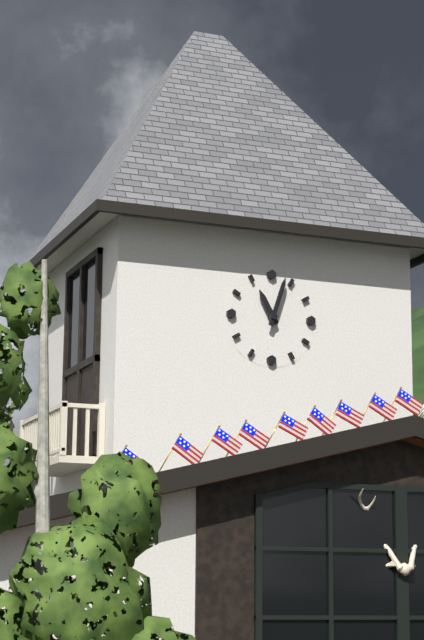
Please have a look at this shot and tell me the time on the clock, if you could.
11:03
